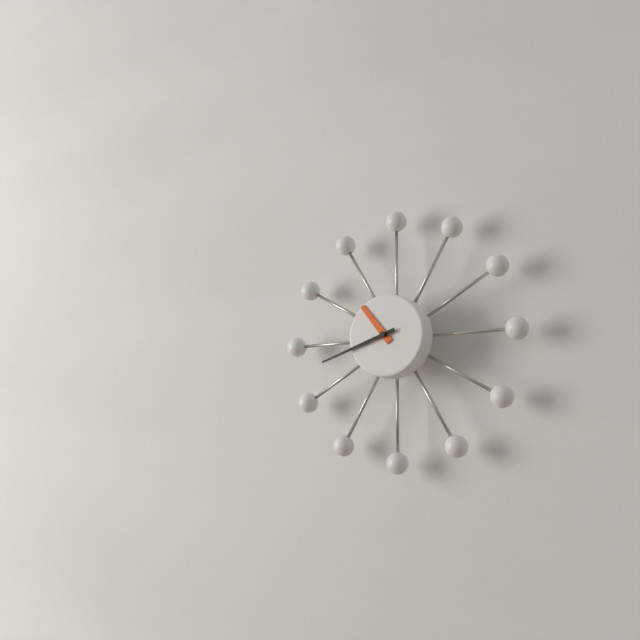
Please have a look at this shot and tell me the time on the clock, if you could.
10:42
